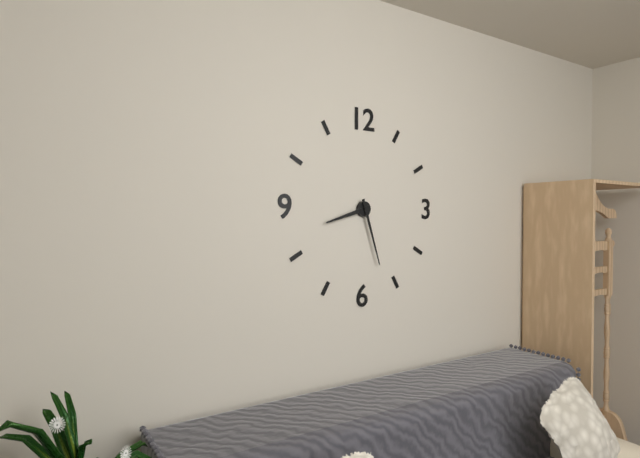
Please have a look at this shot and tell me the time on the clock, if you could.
8:27
